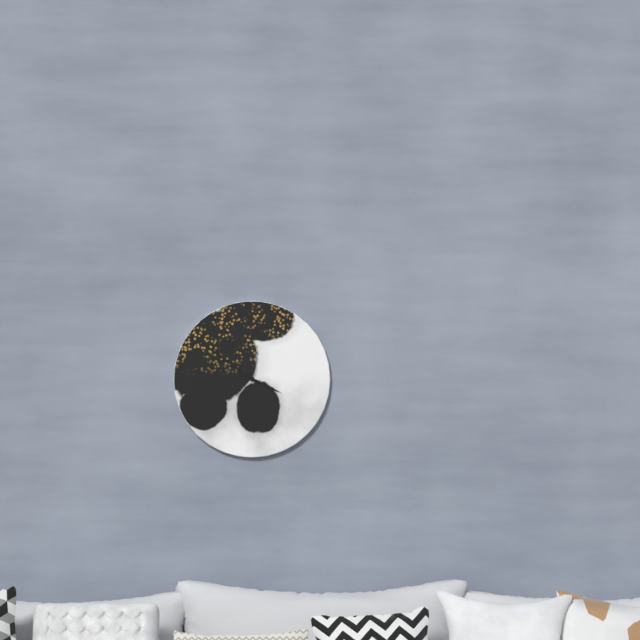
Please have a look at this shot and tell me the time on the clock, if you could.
3:51
